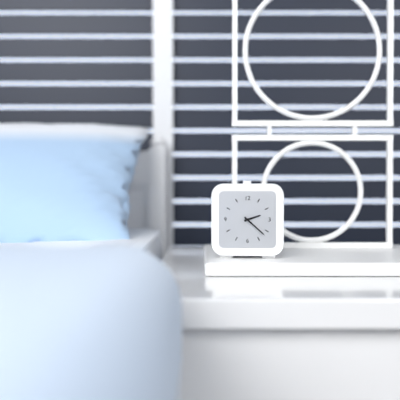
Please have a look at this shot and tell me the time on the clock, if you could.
2:22
